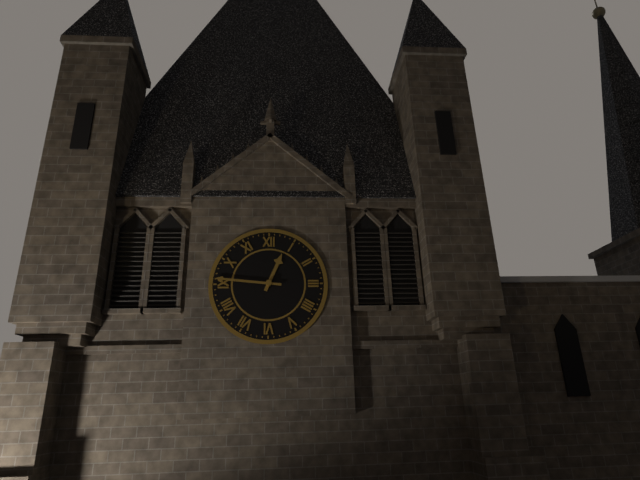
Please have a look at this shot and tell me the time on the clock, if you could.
12:46
